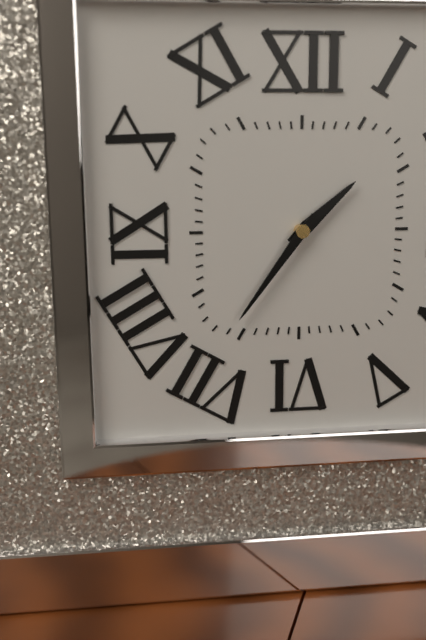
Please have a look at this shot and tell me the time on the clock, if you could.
1:36
